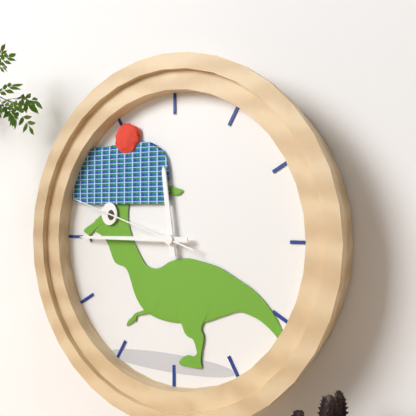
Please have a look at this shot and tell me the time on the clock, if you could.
11:45:48
